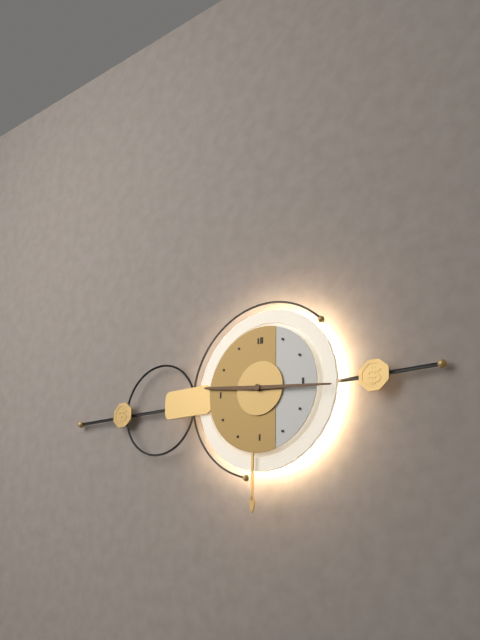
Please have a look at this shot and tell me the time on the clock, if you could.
9:16
